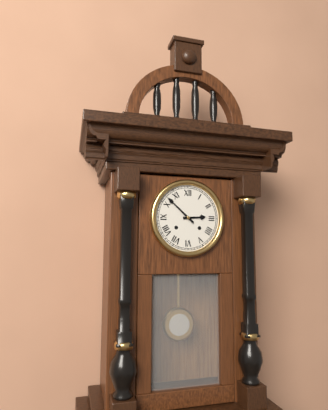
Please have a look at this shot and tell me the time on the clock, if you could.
2:52
